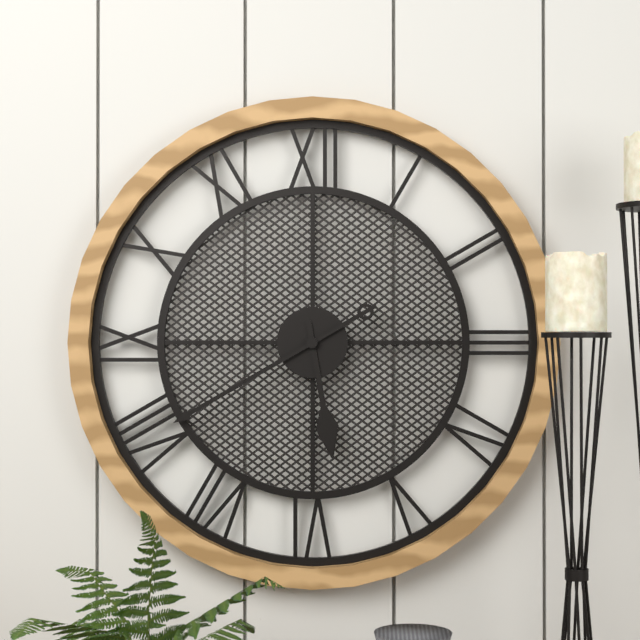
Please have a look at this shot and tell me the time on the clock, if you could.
5:40
